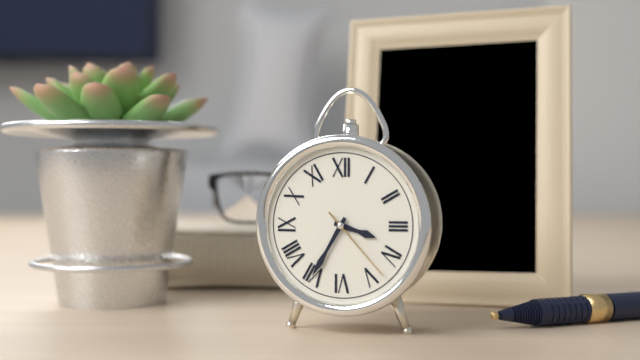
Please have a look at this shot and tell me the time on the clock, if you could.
3:35:23
